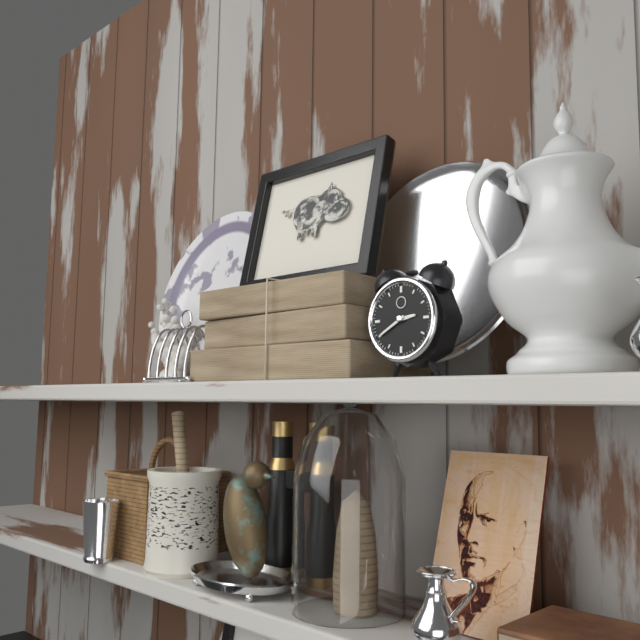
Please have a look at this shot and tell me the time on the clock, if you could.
2:40
